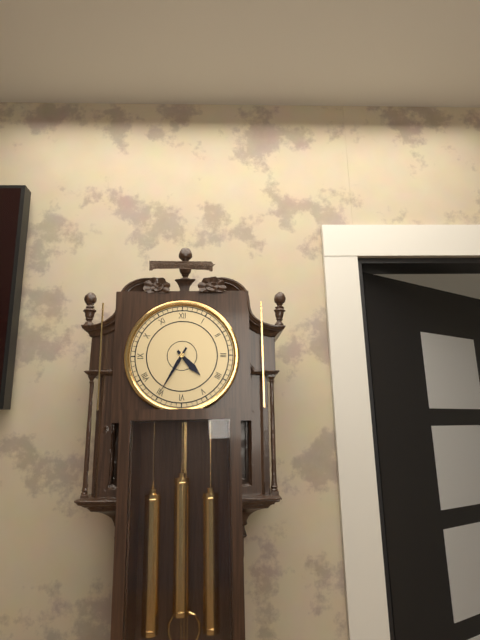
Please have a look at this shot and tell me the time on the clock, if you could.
4:35
